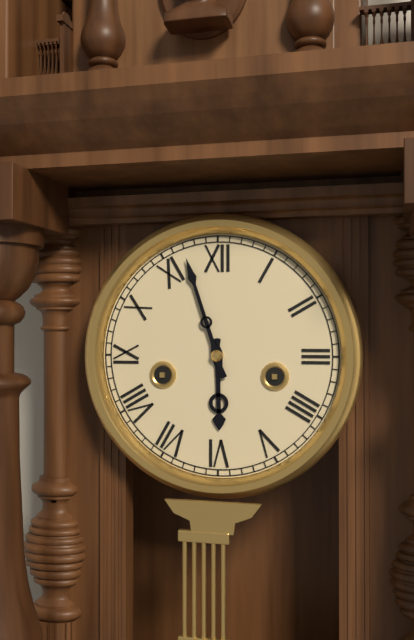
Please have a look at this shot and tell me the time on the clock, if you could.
5:57
